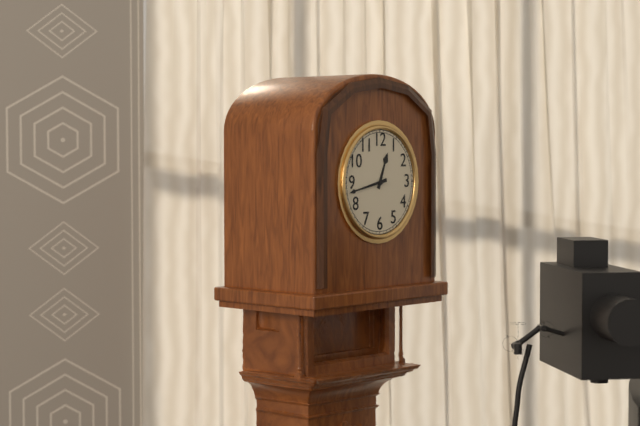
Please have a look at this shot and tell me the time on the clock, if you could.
12:43
